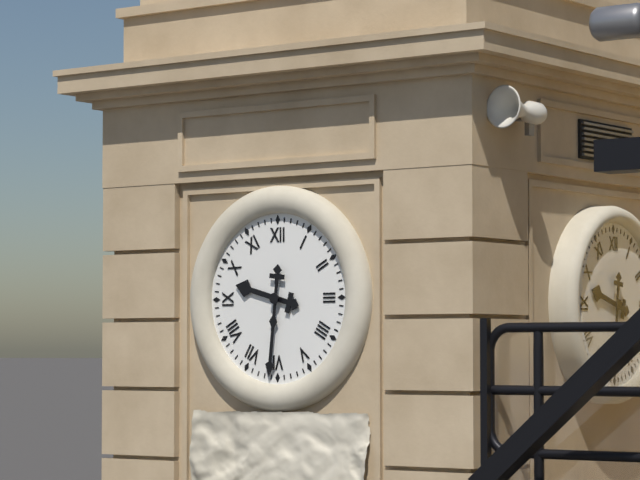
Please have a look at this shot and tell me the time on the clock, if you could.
9:31
